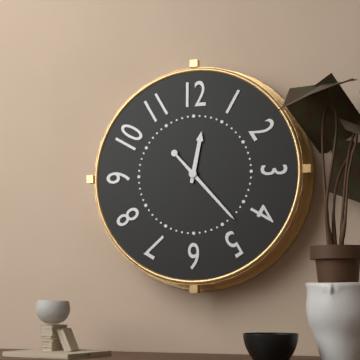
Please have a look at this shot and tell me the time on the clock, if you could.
12:23
